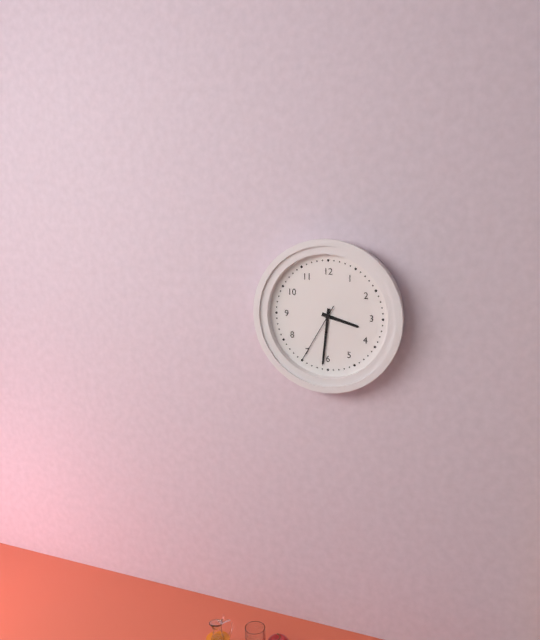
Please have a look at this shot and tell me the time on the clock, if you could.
3:31:35
